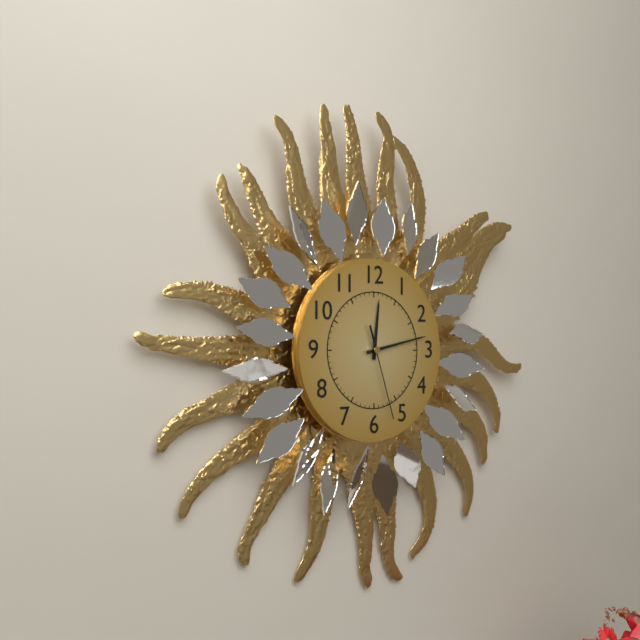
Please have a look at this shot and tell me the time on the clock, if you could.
12:13:27
